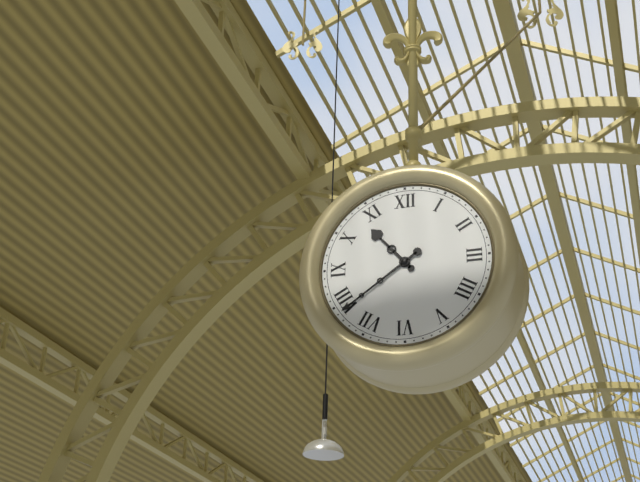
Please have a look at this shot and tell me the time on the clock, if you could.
10:39
